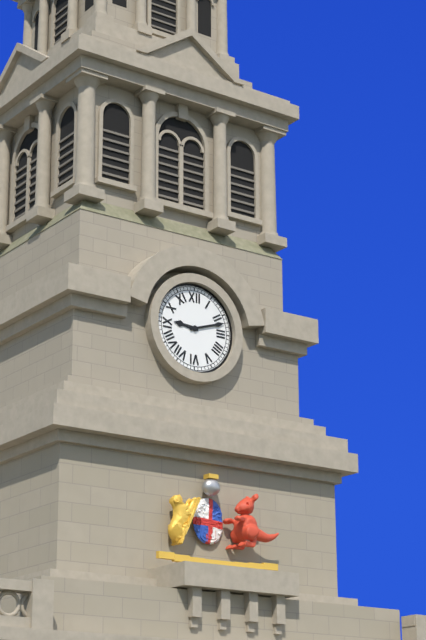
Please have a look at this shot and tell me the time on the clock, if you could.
9:12
